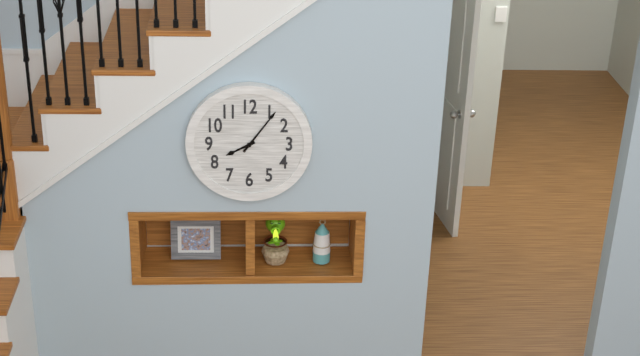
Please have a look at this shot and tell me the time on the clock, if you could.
8:06
